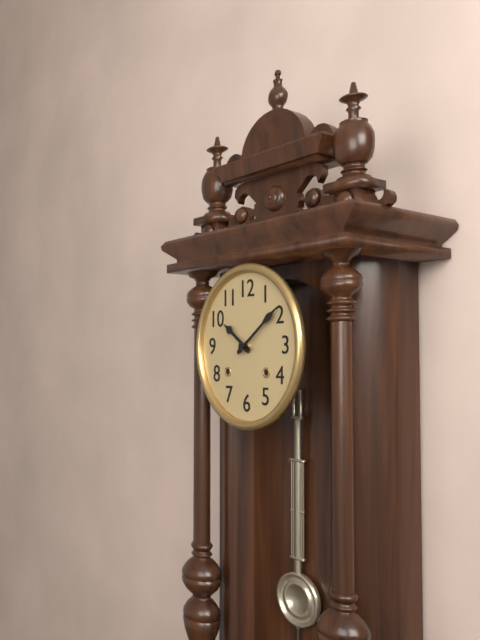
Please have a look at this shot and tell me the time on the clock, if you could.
10:09
